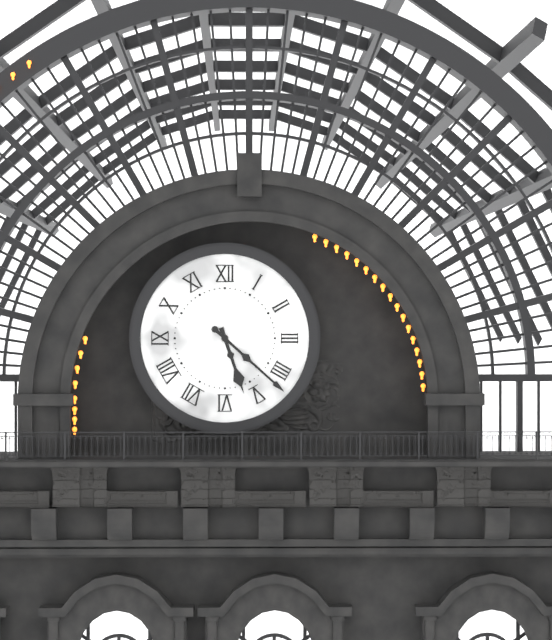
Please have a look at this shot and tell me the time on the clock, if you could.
5:22
